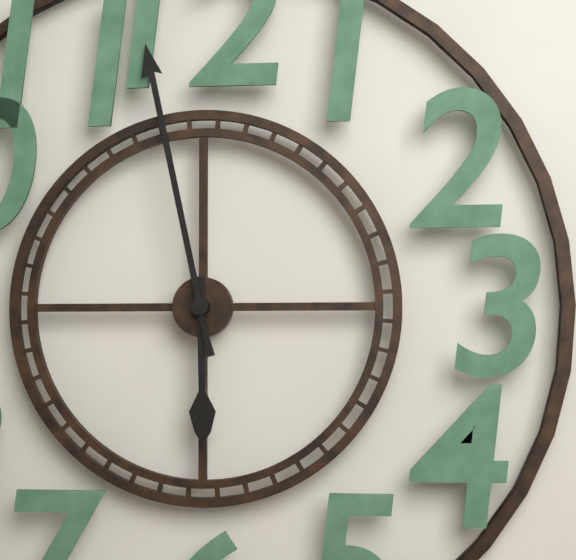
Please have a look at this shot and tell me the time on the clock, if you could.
5:58
